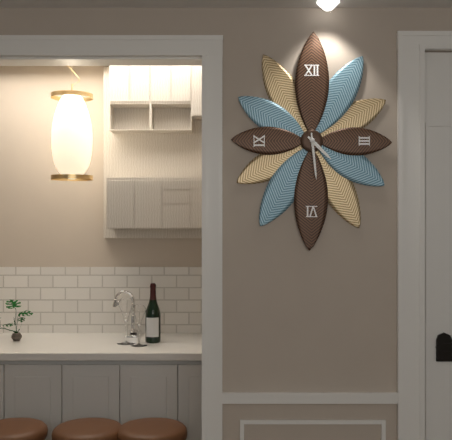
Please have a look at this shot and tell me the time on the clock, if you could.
4:29
